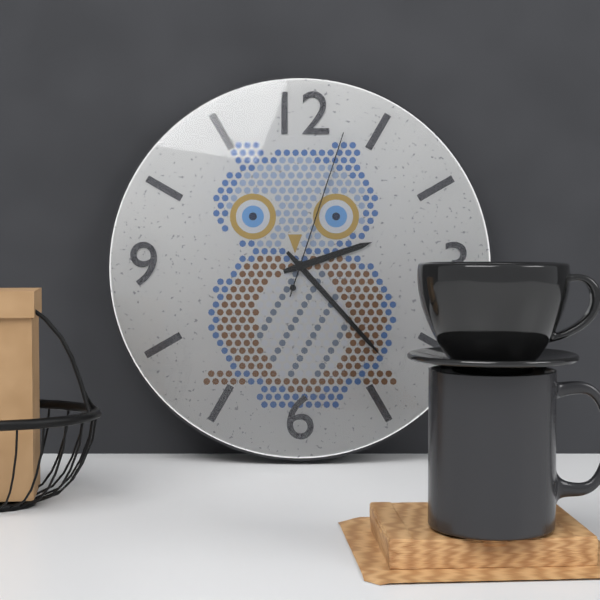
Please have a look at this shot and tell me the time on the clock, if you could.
2:23:03
